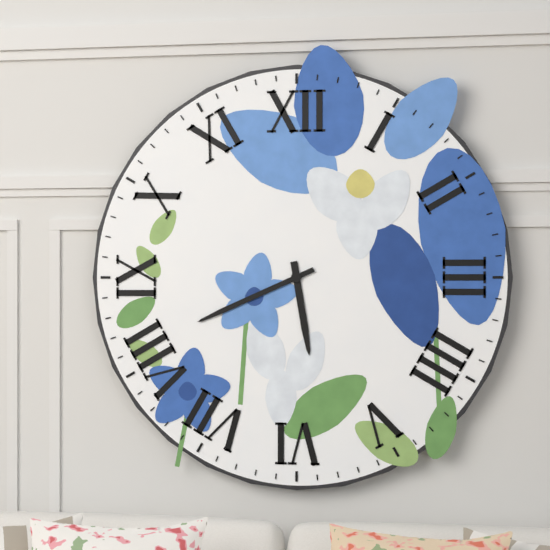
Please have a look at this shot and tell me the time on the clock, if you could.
5:41
